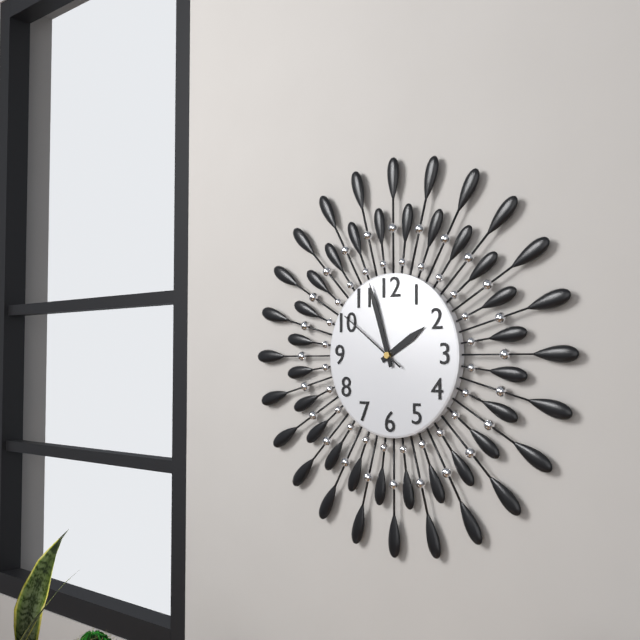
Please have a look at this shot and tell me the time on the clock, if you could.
1:57:51
